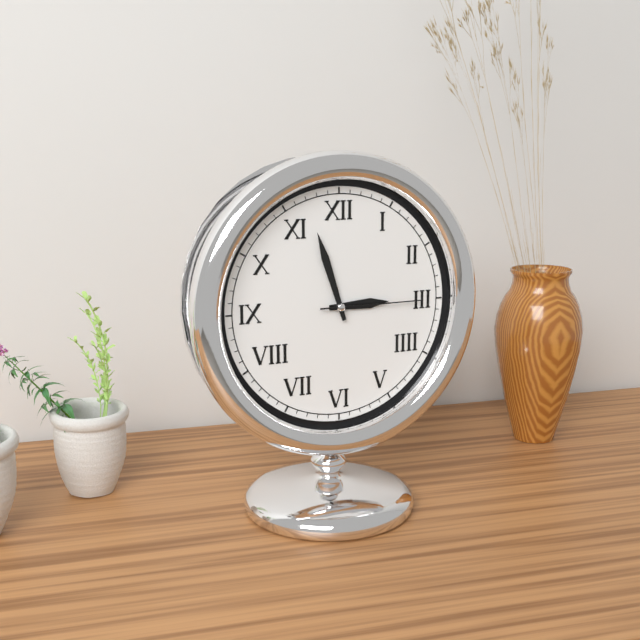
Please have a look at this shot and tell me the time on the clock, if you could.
2:57:15
